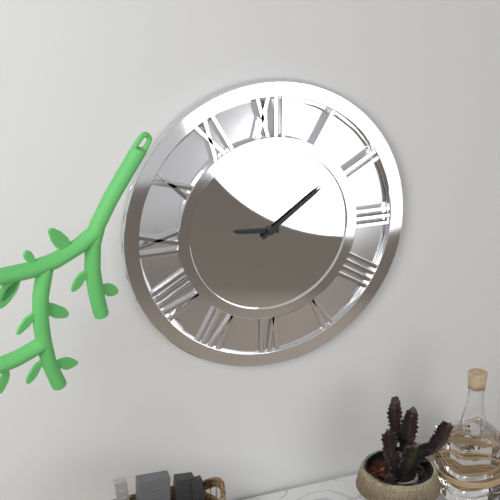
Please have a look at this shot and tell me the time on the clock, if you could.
9:09
